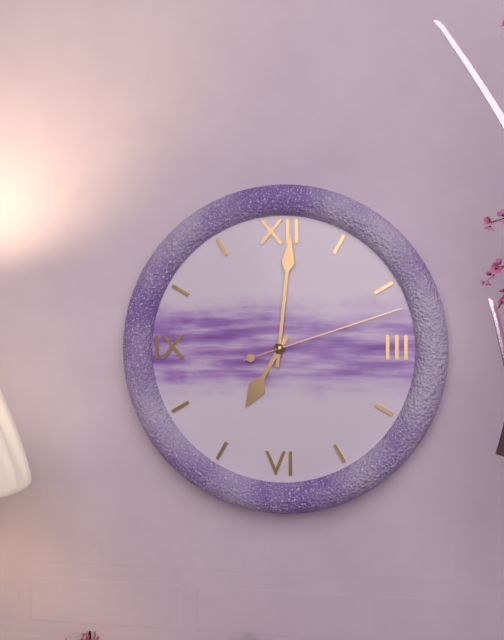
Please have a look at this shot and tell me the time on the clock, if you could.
7:01:12
